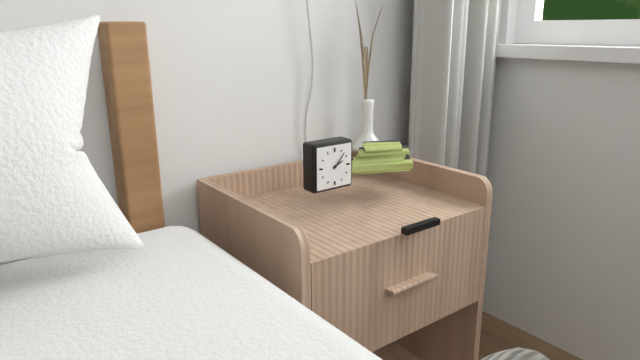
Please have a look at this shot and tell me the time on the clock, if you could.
2:07
